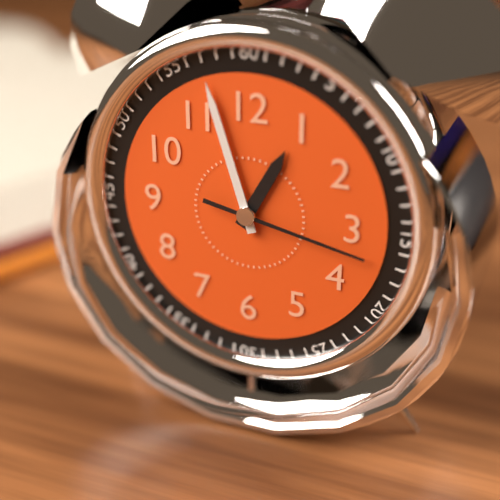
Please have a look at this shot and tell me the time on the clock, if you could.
12:57:17
